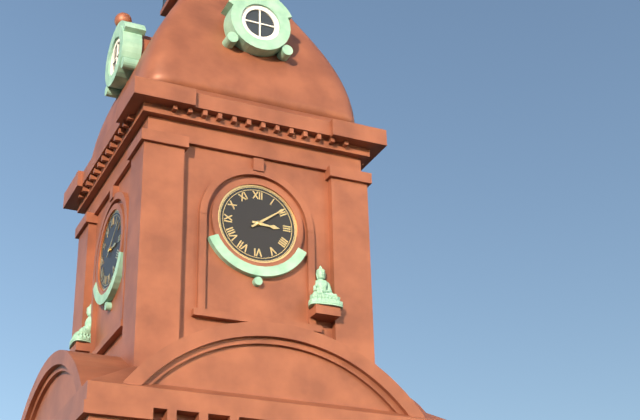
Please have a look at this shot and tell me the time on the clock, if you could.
3:09
